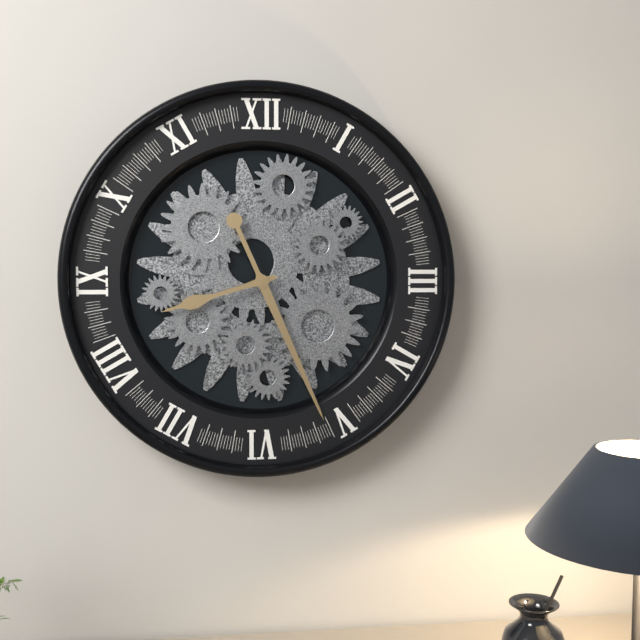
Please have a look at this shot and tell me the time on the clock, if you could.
8:26
